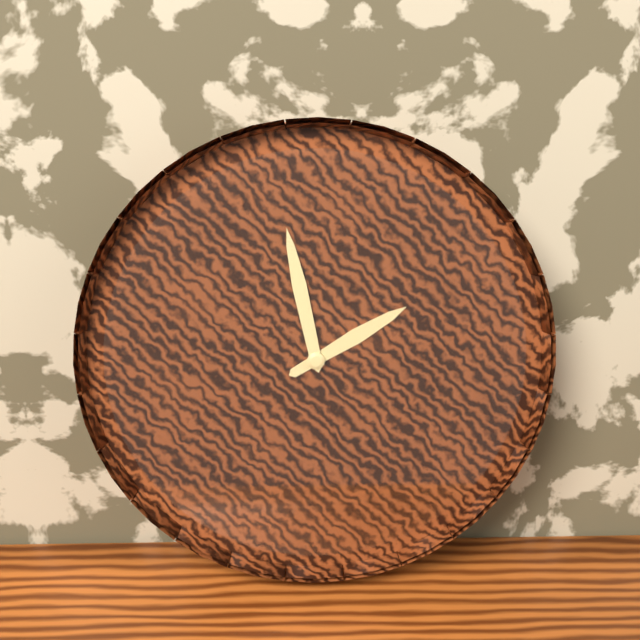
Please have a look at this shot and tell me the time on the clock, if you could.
1:58
